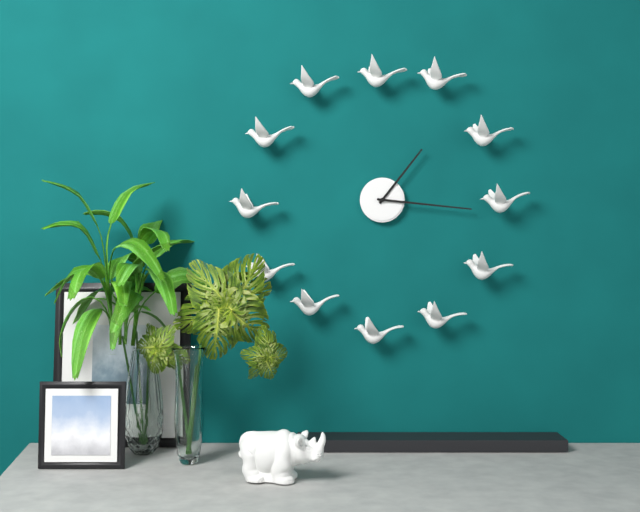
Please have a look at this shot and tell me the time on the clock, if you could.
1:16
